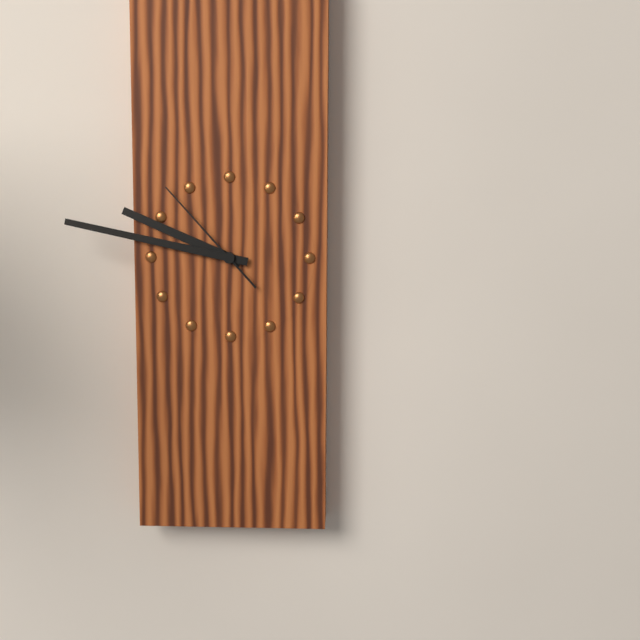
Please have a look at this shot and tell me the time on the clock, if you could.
9:47:53
